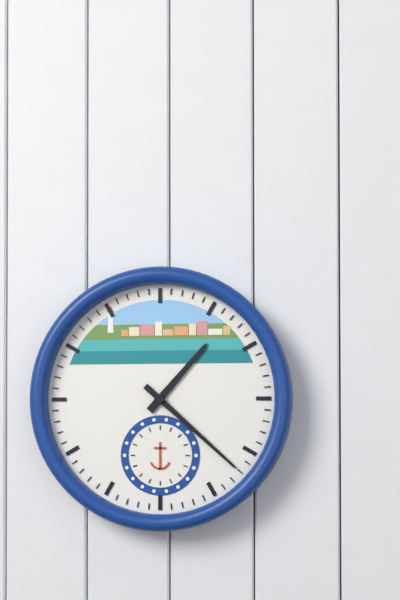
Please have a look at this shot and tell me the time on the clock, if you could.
1:22
